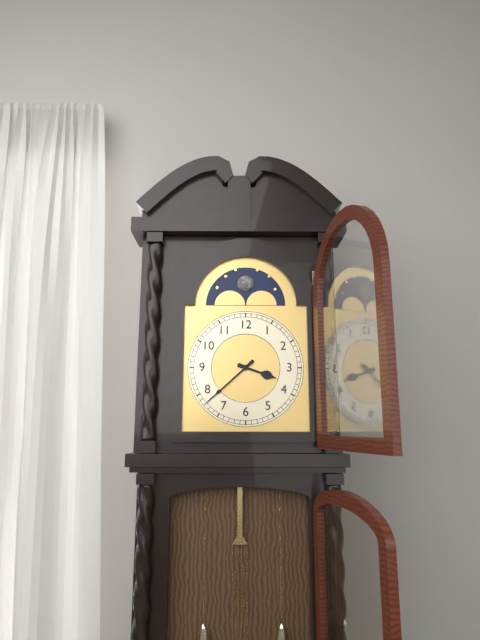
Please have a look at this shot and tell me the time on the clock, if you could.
3:38
